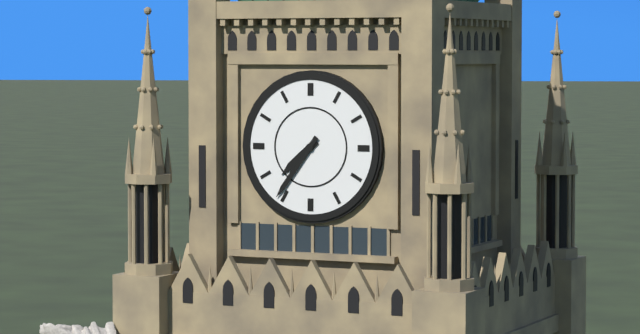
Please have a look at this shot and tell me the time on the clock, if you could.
7:36
